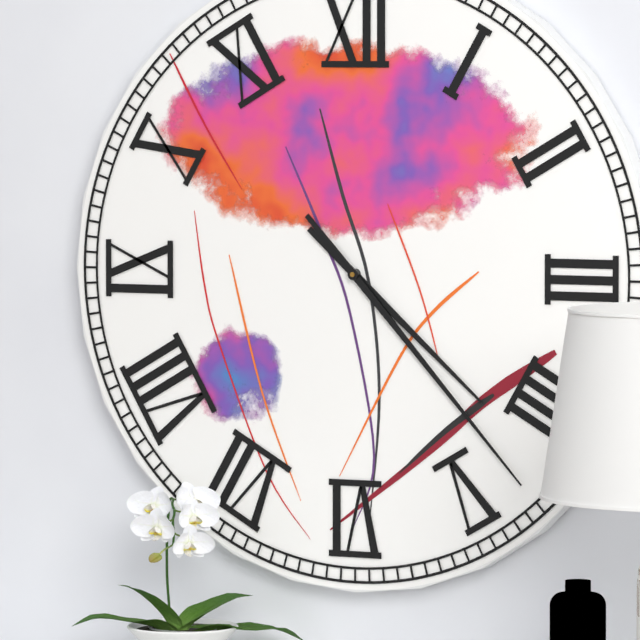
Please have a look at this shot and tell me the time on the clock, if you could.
4:23
